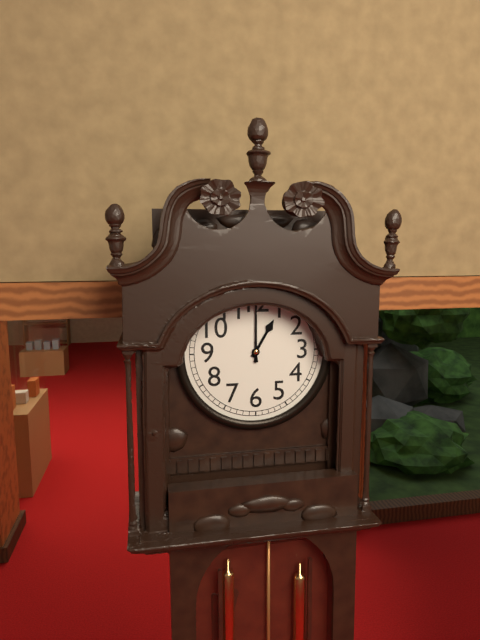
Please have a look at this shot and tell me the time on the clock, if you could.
1:00
